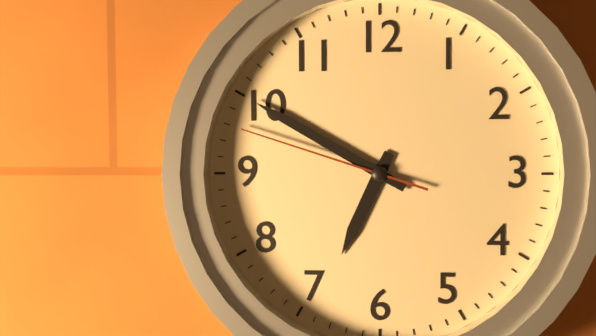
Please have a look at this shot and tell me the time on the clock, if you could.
6:50:48
